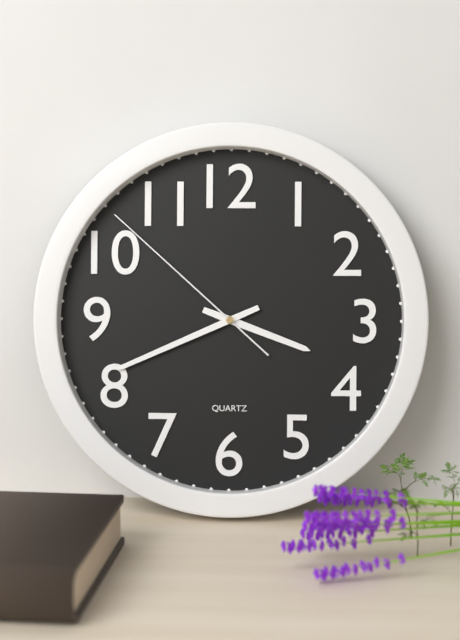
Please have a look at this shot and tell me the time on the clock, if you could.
3:41:52
